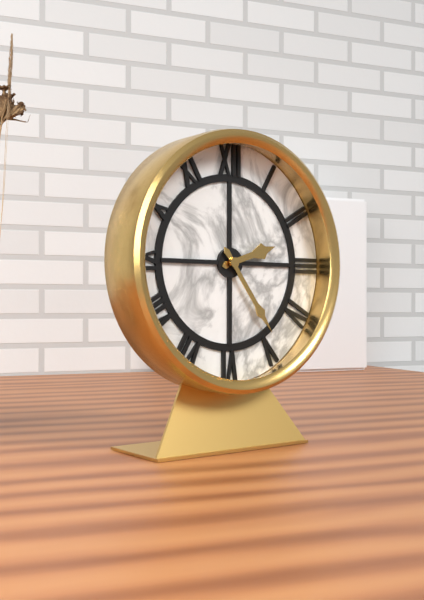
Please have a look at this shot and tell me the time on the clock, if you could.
2:24
